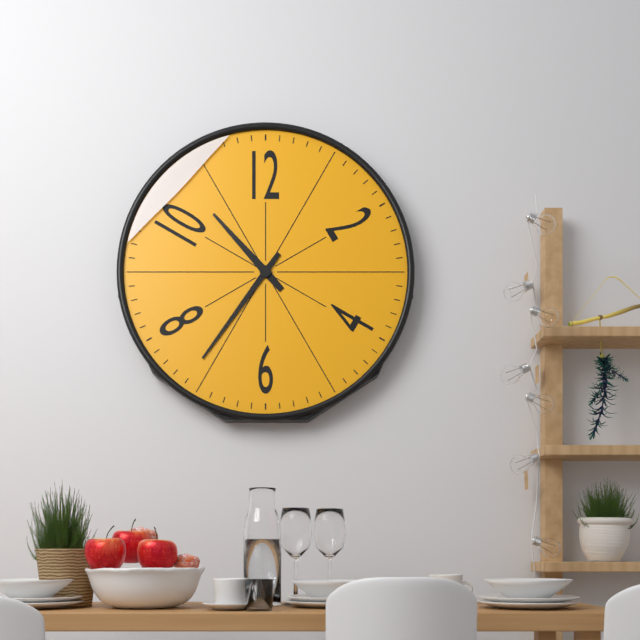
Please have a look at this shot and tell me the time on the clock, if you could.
10:36
